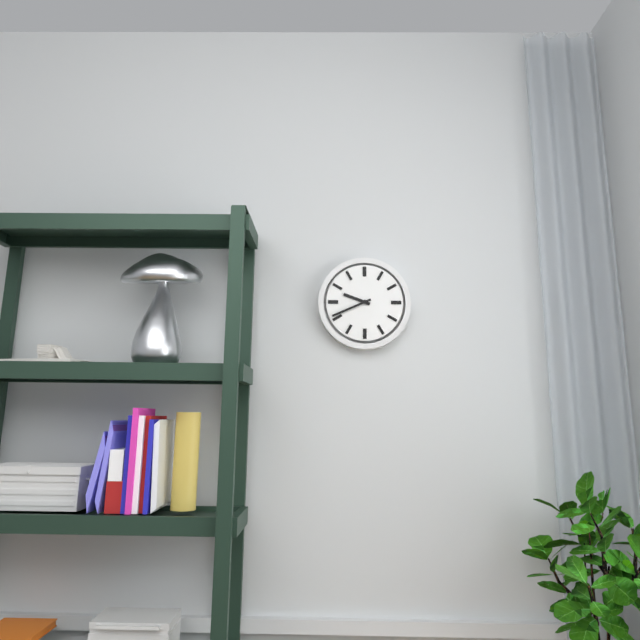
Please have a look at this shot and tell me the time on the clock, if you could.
9:41
